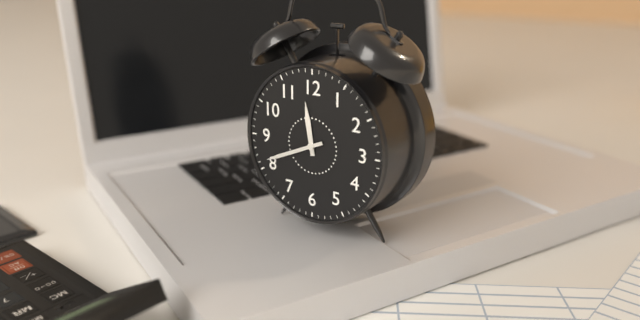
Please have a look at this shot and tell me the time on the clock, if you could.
11:41
